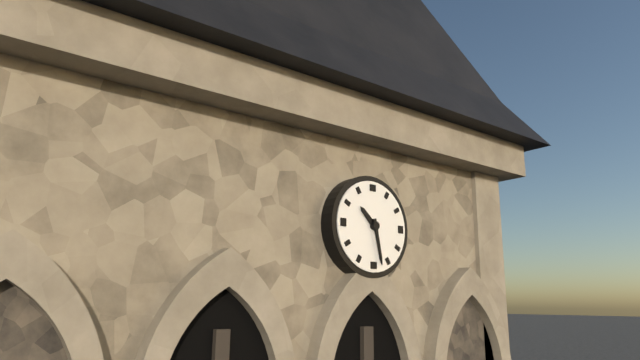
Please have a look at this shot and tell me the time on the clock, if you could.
10:28
